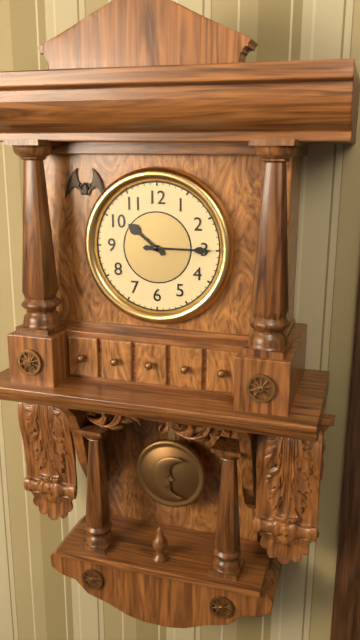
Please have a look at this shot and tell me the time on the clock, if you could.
10:15
